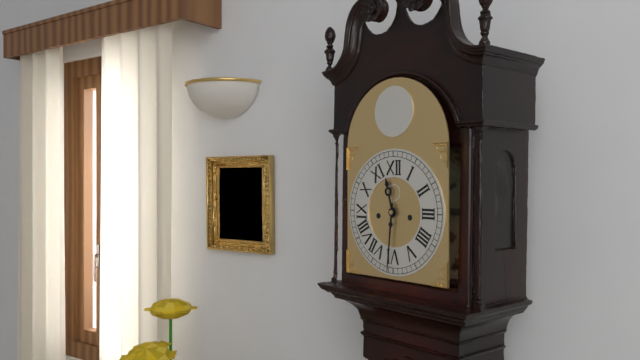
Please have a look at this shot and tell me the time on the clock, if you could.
11:31
